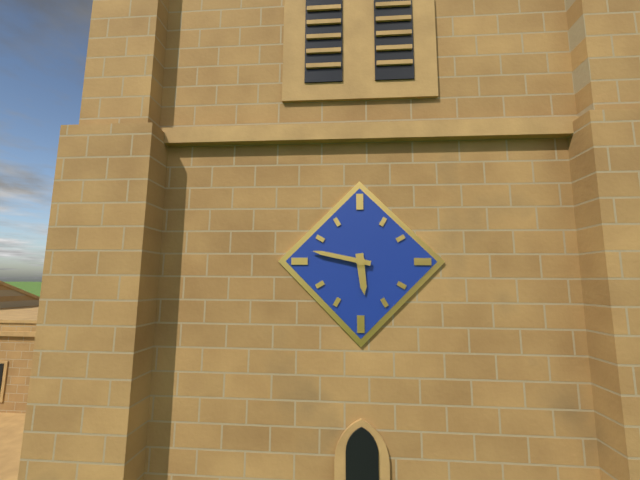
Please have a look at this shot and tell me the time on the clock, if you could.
5:47
